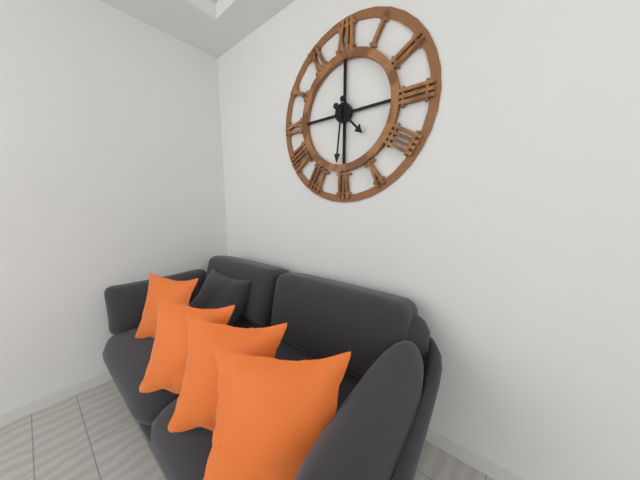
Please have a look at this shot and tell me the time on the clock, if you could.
4:31
